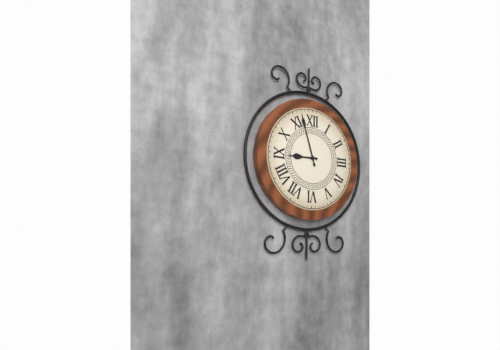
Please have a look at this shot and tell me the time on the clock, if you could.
8:57
